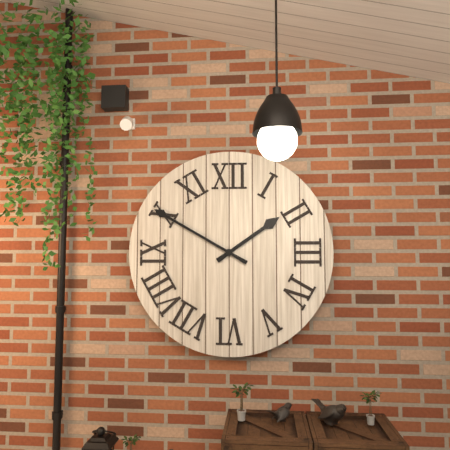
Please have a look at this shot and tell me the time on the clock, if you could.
1:50
